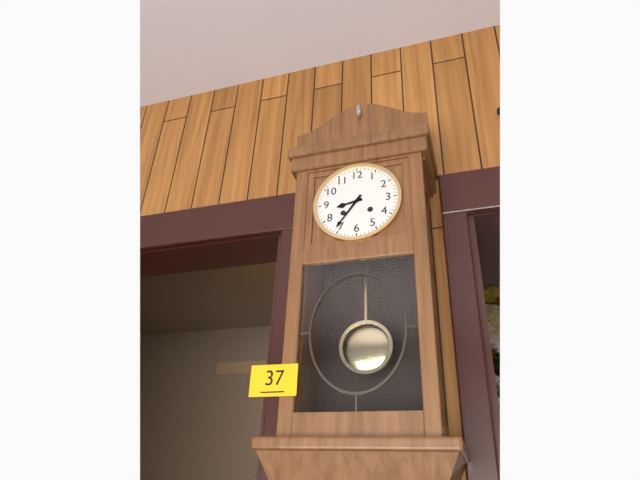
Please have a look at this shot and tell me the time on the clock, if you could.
8:36
